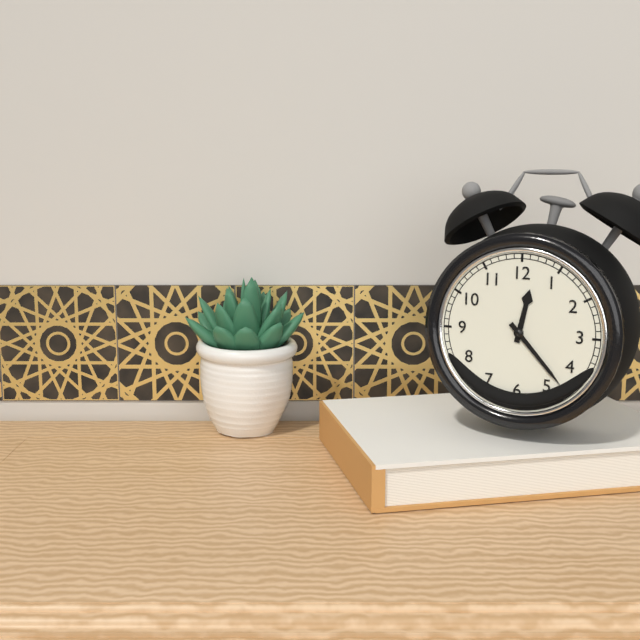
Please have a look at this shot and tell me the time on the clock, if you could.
12:23
